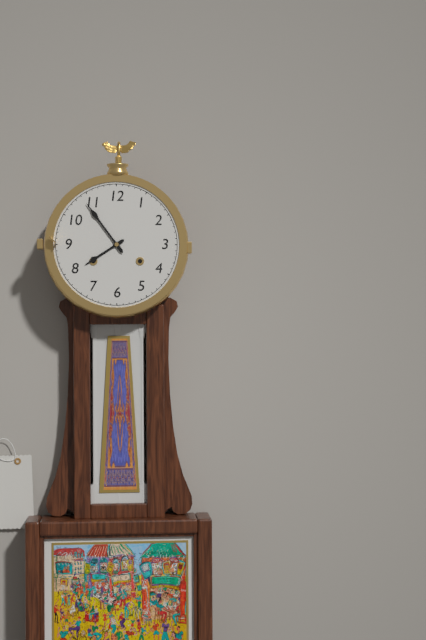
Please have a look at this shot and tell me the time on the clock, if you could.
7:54
